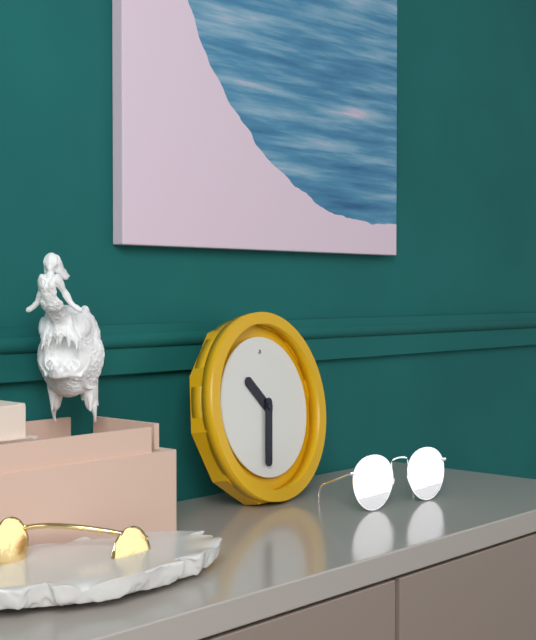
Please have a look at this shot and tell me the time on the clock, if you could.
10:32
